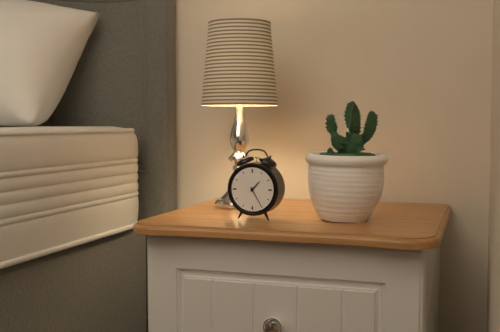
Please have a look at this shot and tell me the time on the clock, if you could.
1:25
